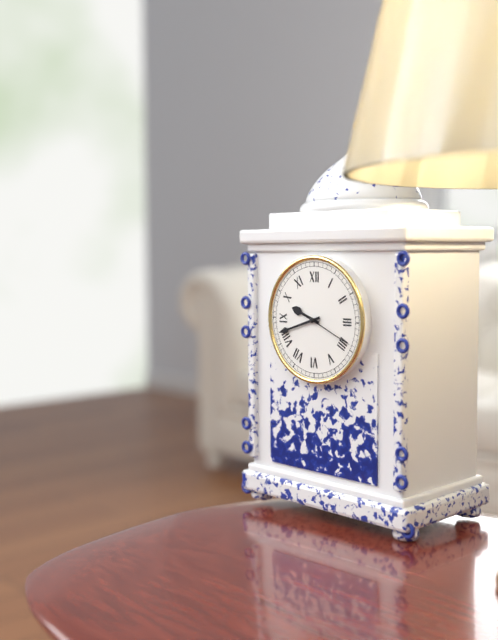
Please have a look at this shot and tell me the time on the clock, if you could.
9:42:19
